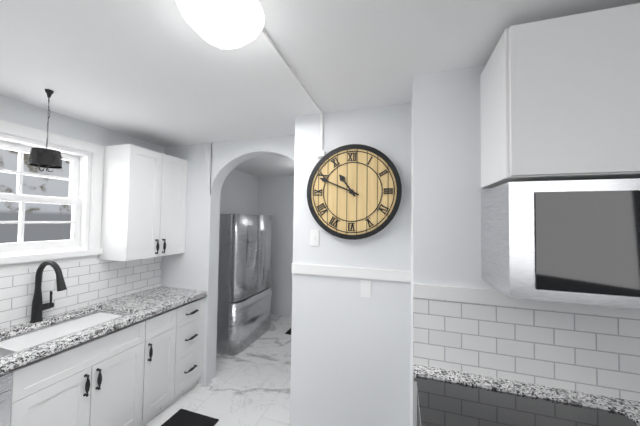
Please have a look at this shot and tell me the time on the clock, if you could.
10:49
